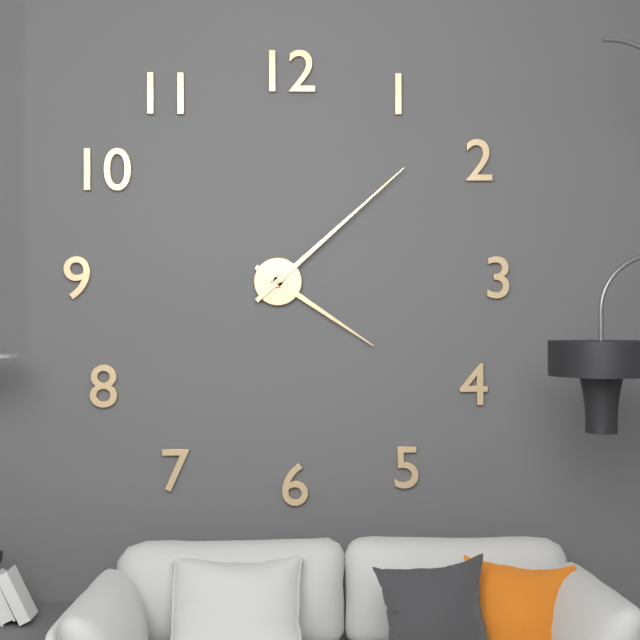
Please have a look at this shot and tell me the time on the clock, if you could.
4:08
